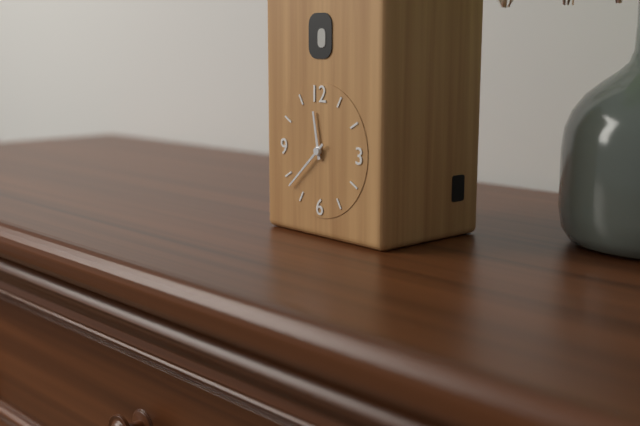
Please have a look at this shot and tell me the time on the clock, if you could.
11:38
